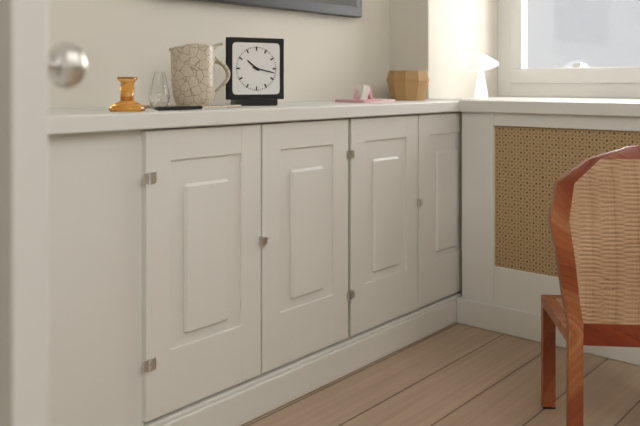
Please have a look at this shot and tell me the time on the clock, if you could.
10:17
